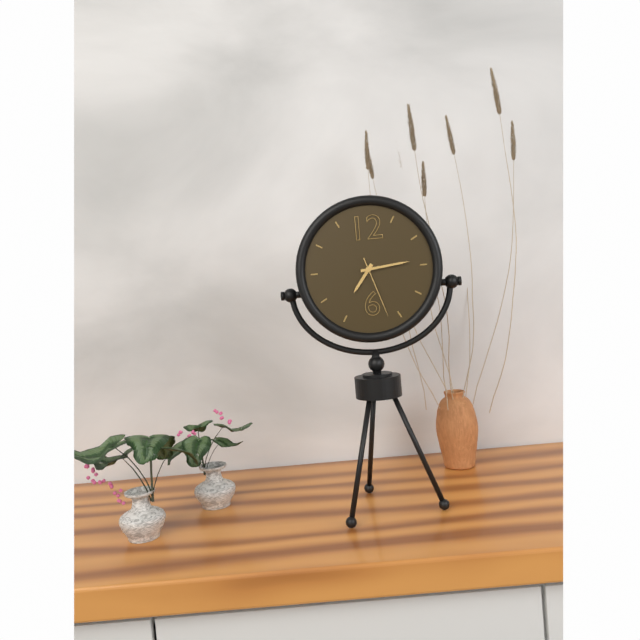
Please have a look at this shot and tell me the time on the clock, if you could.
7:14:27
